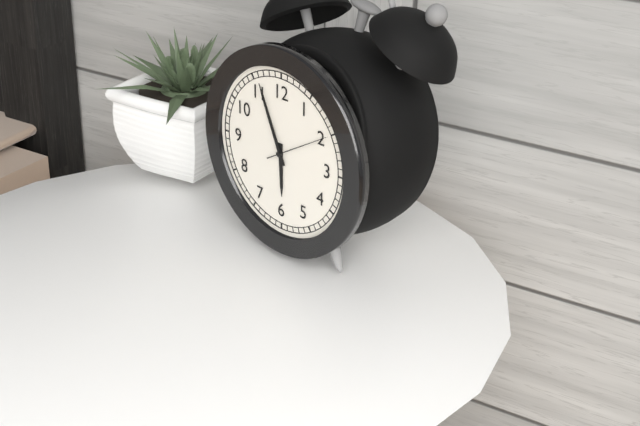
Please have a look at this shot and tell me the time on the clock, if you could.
5:56:10
